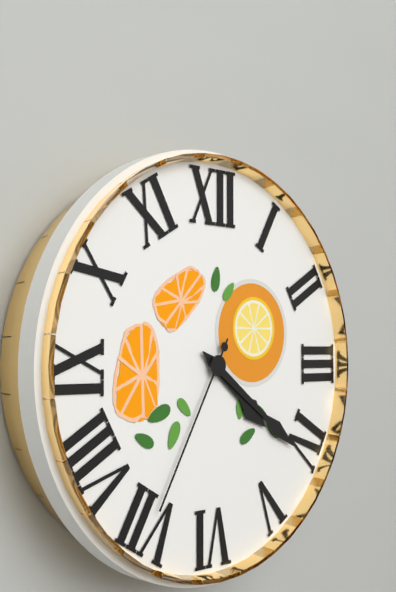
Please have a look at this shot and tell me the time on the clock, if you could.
4:21:35
